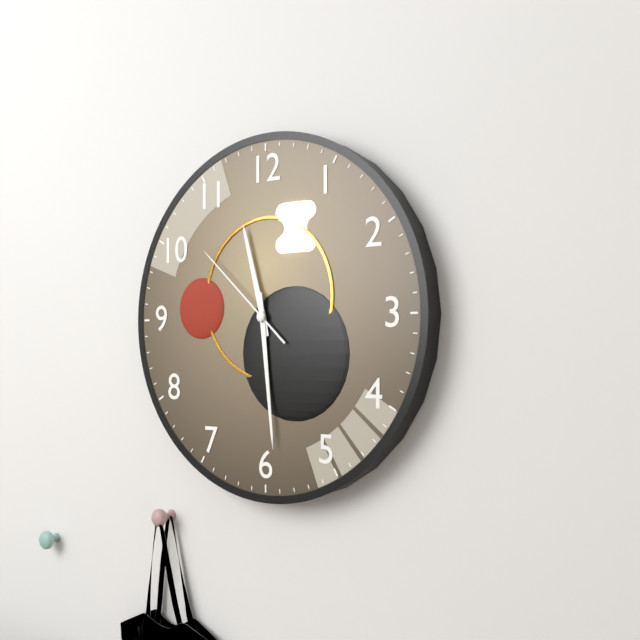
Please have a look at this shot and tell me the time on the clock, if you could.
11:29:52
